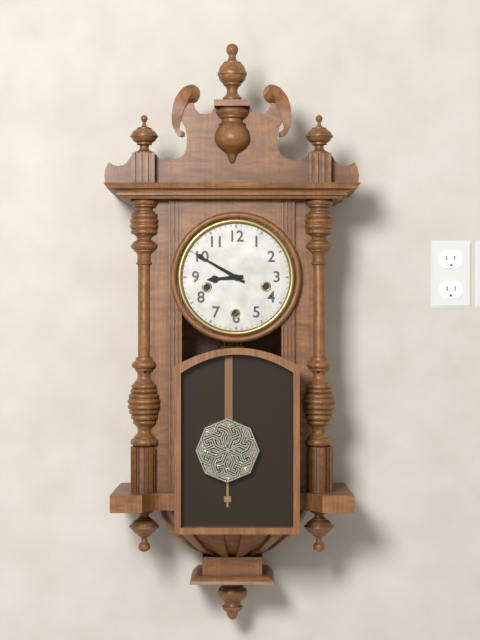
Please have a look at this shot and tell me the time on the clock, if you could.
8:50
